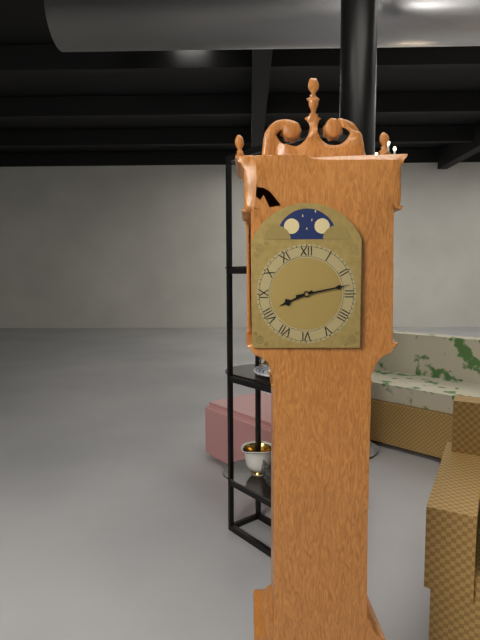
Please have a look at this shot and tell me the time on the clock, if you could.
8:13
